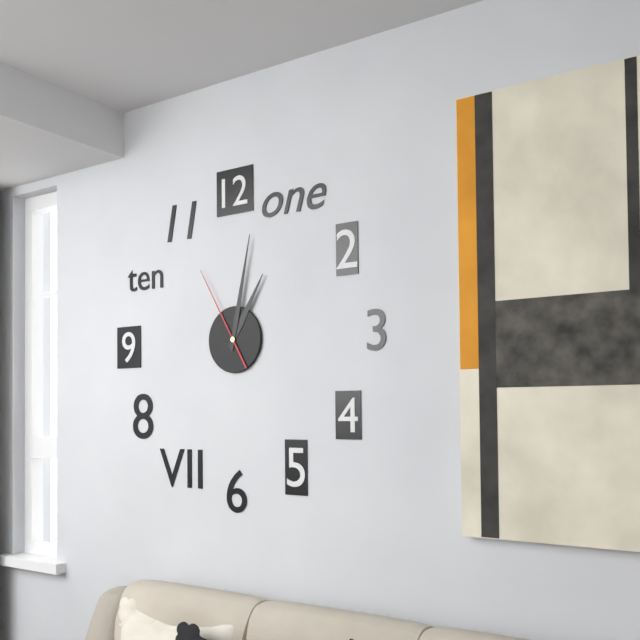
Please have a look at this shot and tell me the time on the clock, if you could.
1:02:55
